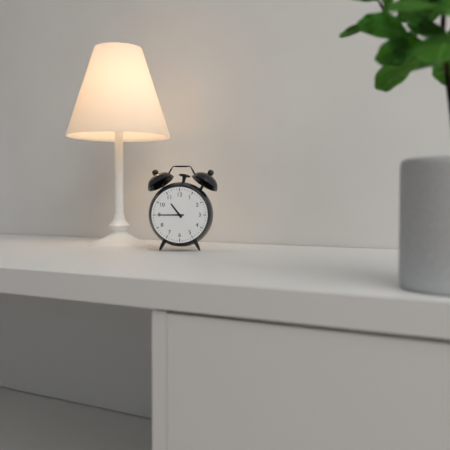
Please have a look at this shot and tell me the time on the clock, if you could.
10:45
